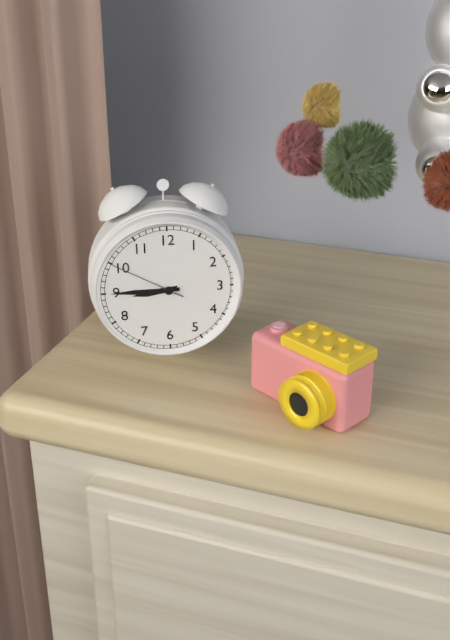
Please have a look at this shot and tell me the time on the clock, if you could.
8:45:50
